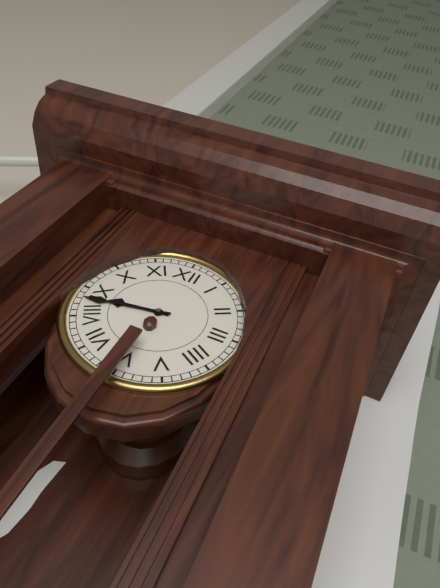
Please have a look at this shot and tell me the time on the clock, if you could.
8:43
